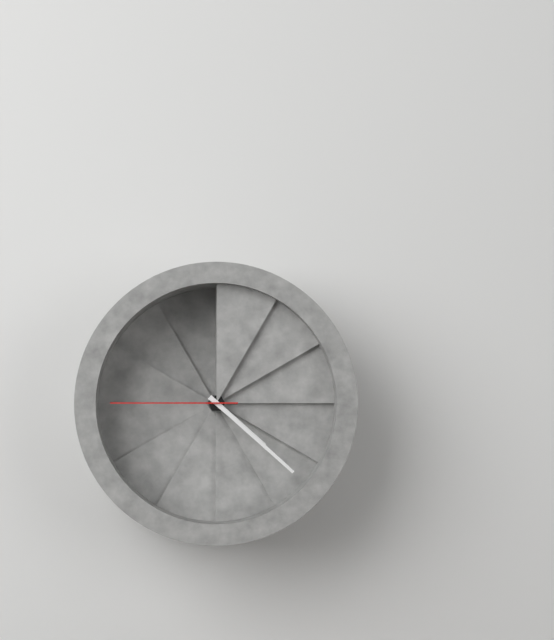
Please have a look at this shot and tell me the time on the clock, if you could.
4:22:45
